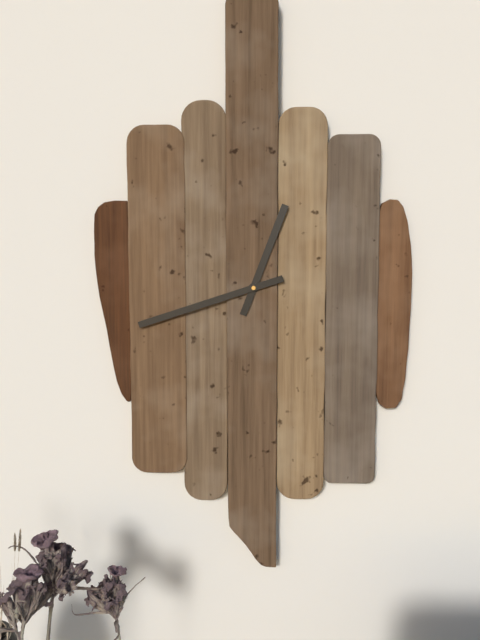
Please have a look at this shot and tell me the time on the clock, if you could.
12:42
